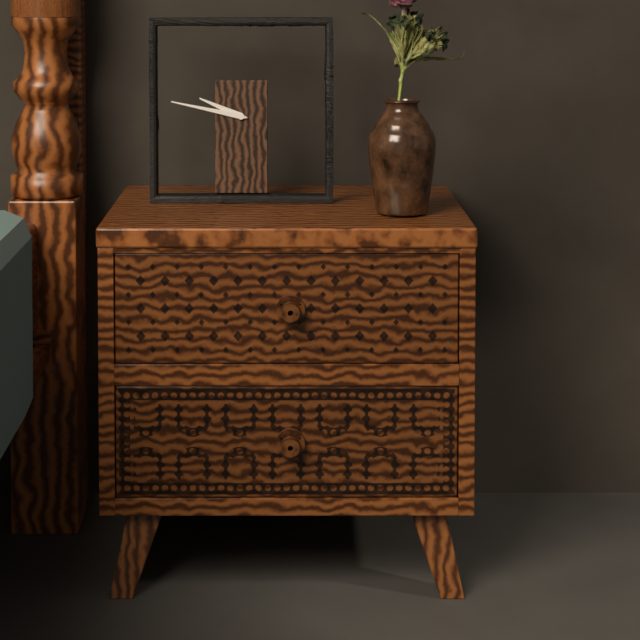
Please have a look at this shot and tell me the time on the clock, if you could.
9:47
